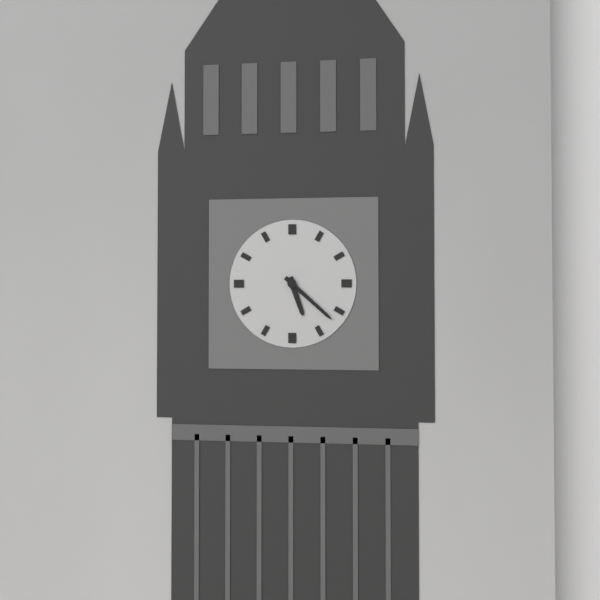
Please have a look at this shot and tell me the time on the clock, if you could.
5:22
